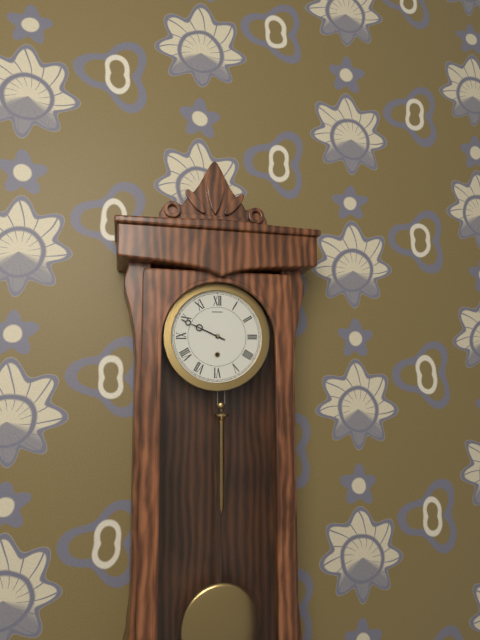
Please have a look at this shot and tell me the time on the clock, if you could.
9:49
